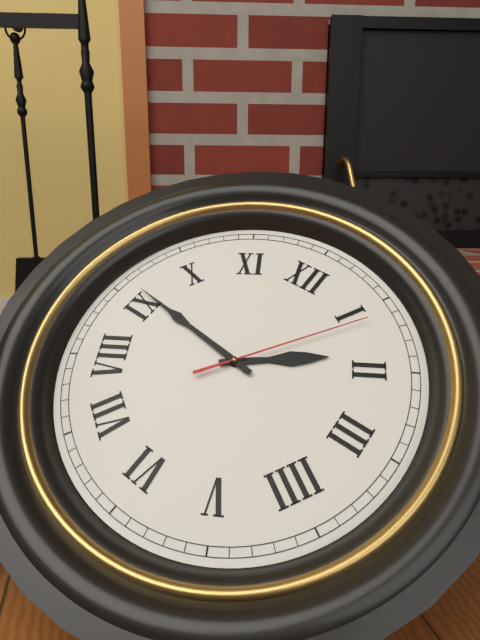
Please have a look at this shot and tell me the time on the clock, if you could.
1:46:06
